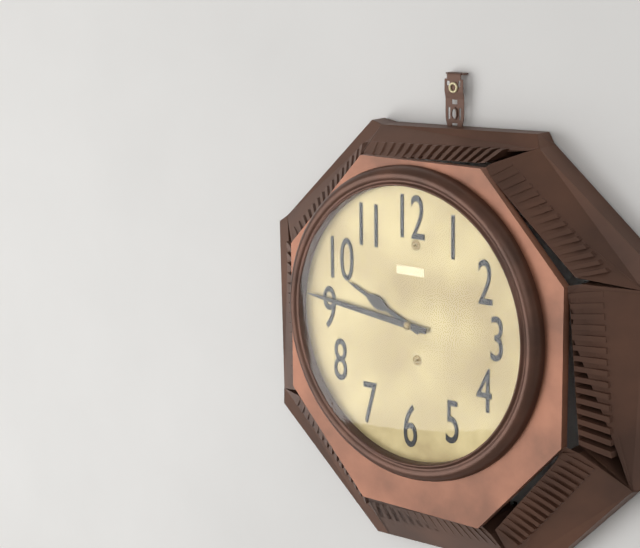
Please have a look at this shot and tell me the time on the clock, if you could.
9:46
